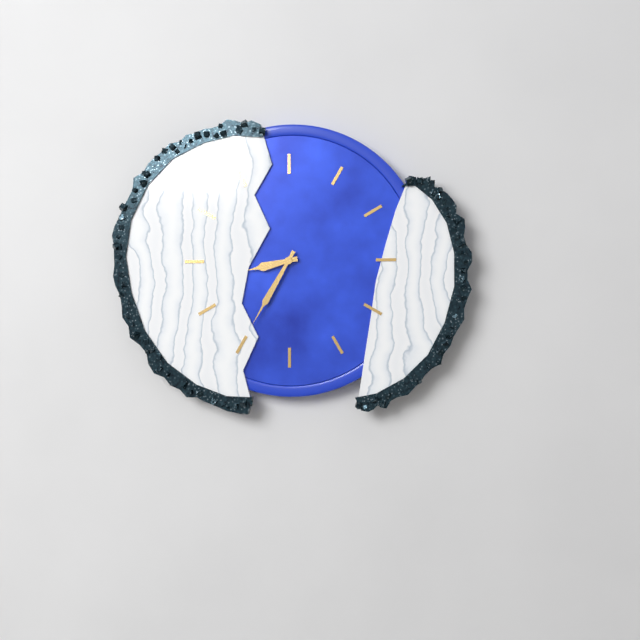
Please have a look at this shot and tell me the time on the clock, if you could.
8:35
